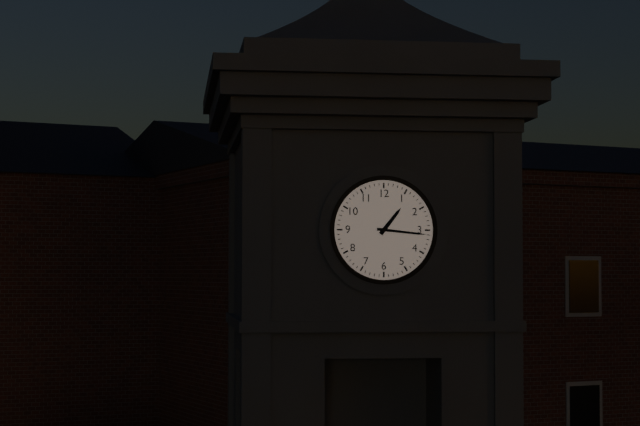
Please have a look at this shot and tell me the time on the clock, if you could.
1:16
